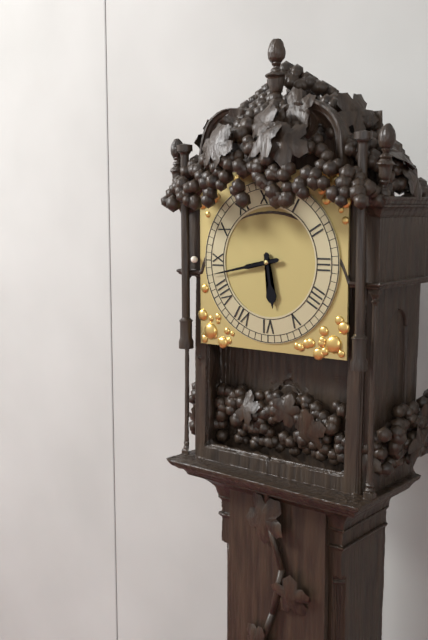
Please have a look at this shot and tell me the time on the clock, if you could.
5:43
